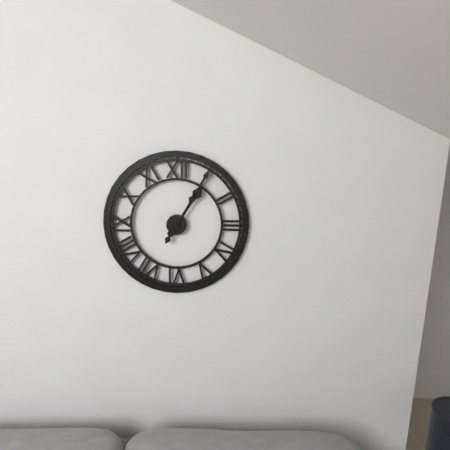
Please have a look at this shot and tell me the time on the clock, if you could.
1:05
